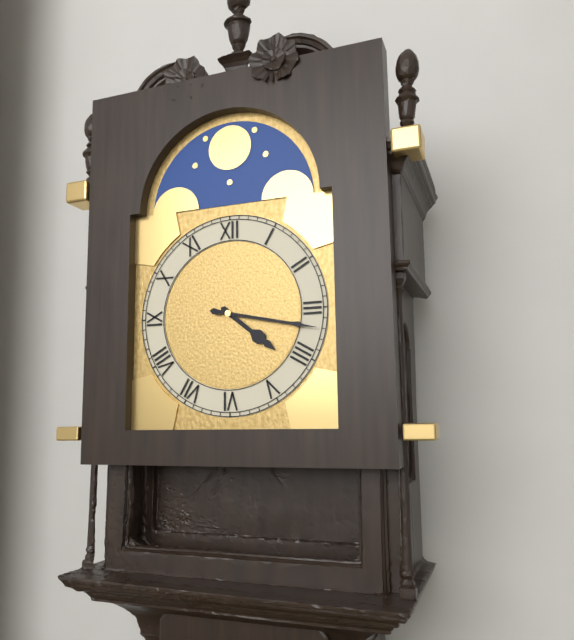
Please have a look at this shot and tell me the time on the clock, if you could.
4:17
